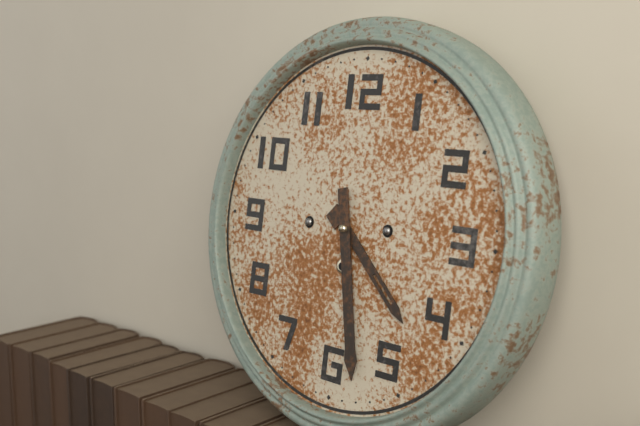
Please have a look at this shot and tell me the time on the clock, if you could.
4:28
